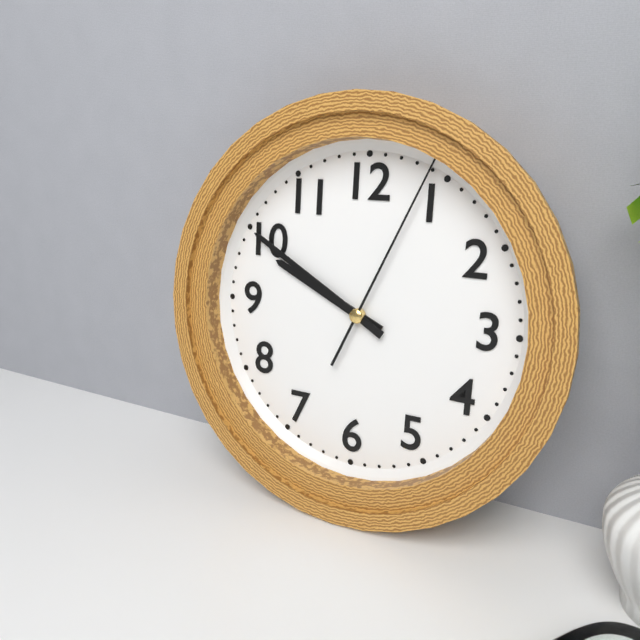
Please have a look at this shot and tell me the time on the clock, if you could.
9:50:04
